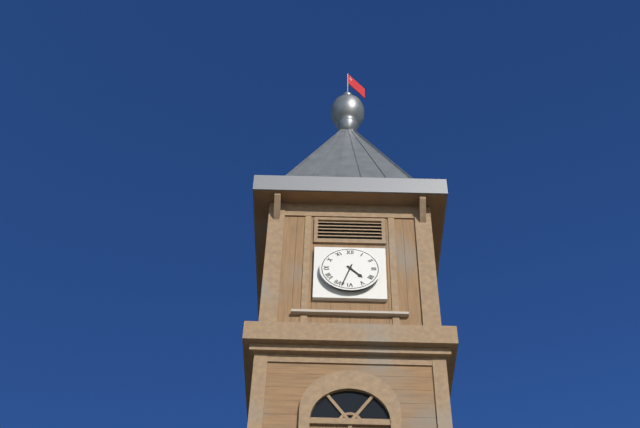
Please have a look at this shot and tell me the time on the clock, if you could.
4:33
